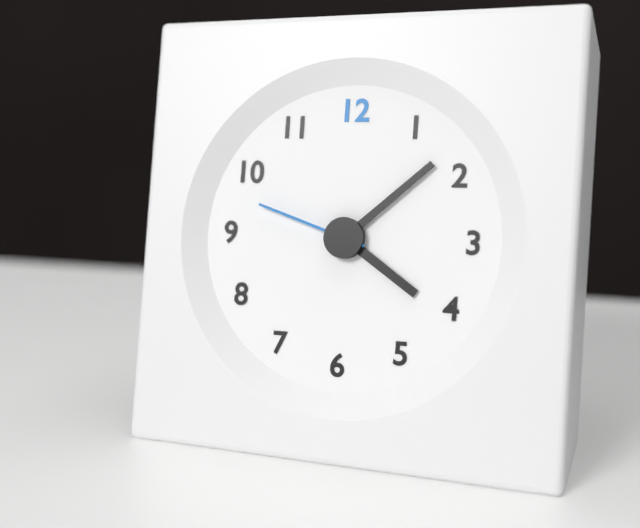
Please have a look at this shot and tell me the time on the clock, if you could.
4:08:48
